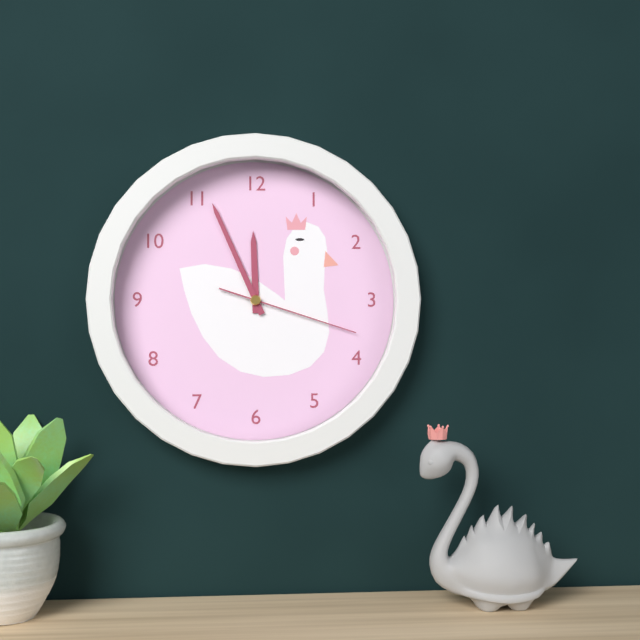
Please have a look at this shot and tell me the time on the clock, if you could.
11:56:18
